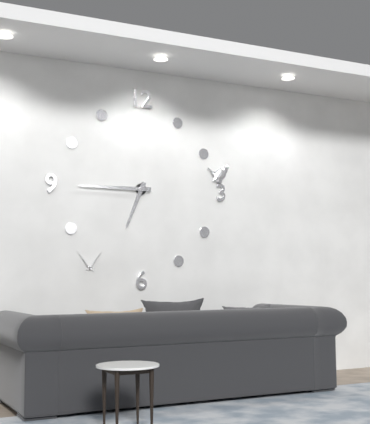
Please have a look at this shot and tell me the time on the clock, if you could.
6:45
